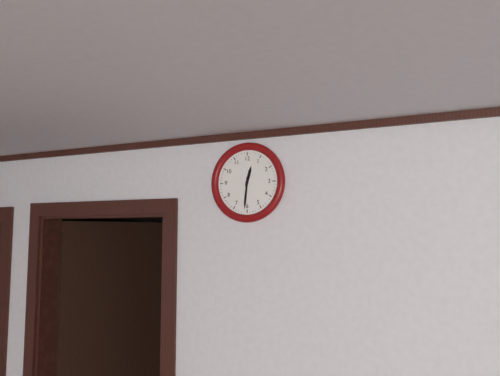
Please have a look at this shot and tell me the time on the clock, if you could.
12:31
